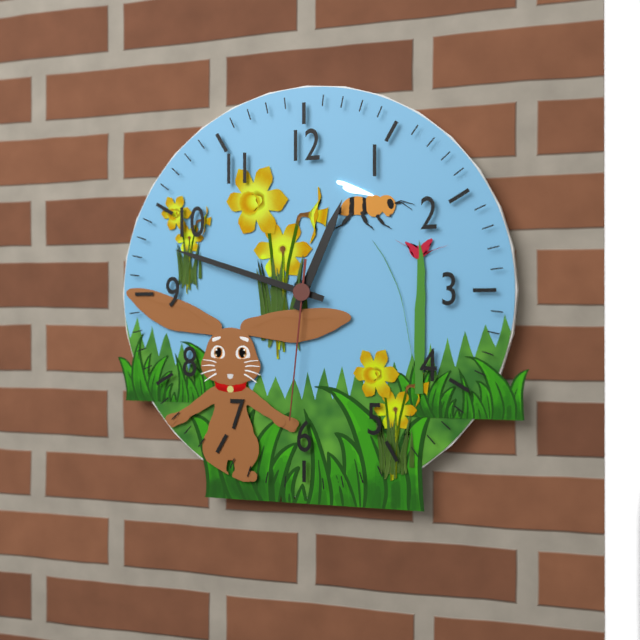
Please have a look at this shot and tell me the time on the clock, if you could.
12:48:31
